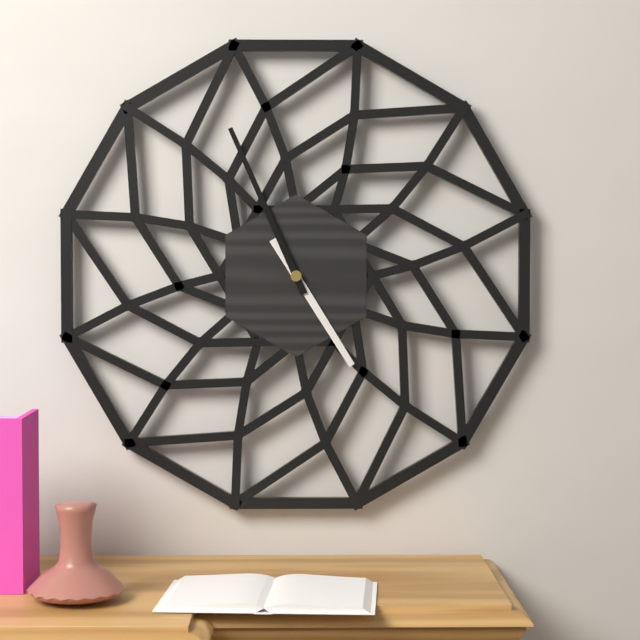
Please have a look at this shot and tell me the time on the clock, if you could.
4:56
